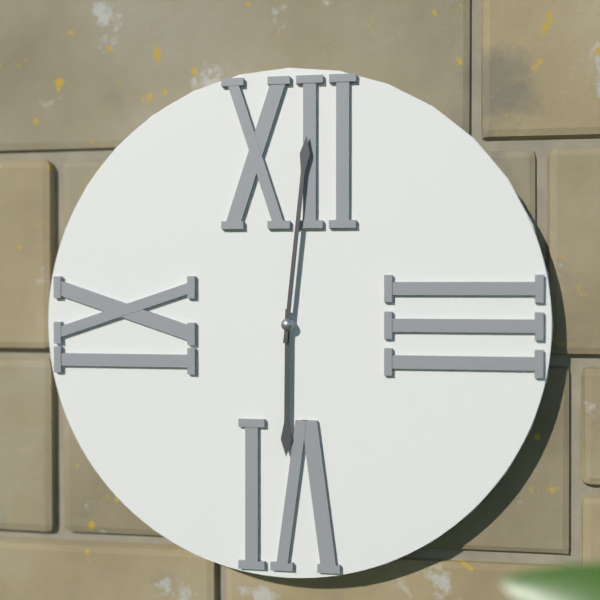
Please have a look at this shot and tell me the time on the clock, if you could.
6:01
